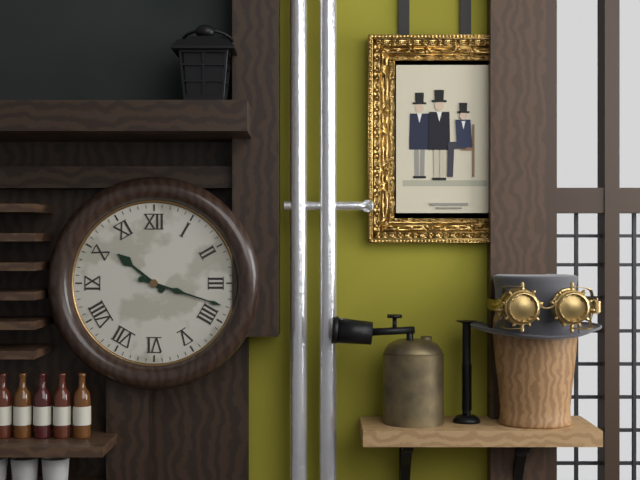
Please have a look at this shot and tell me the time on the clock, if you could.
10:18
